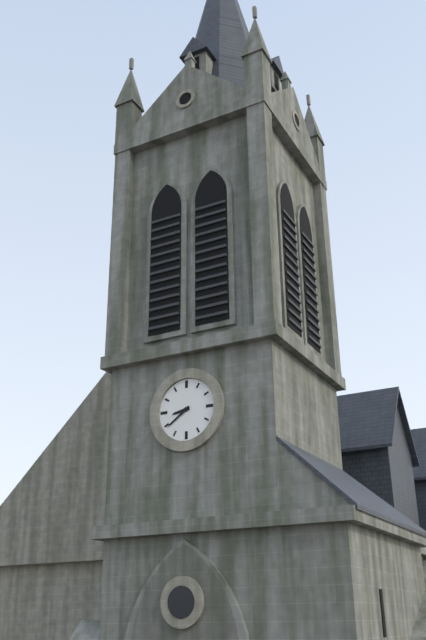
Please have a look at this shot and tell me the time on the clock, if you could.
8:39
